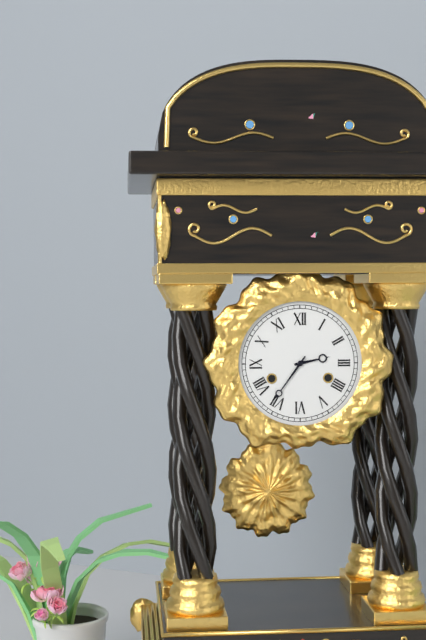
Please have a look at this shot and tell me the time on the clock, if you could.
2:36
